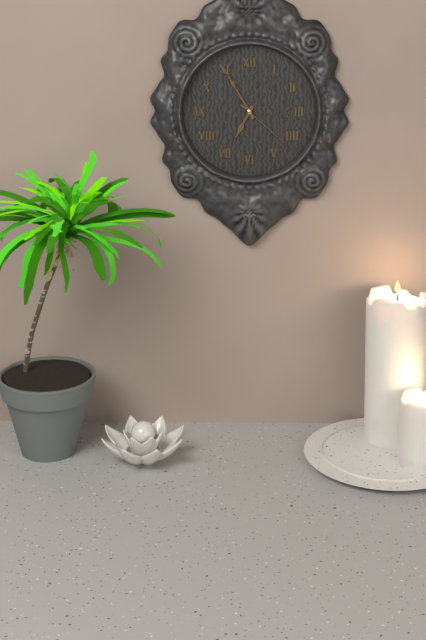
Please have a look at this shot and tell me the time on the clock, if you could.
6:55:22
